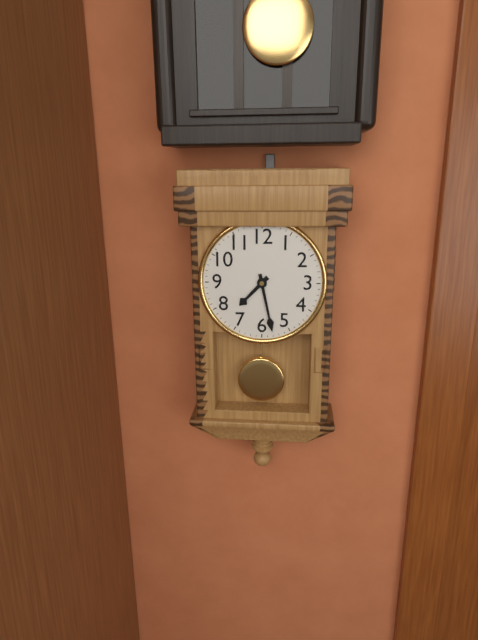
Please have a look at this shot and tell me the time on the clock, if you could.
7:28
